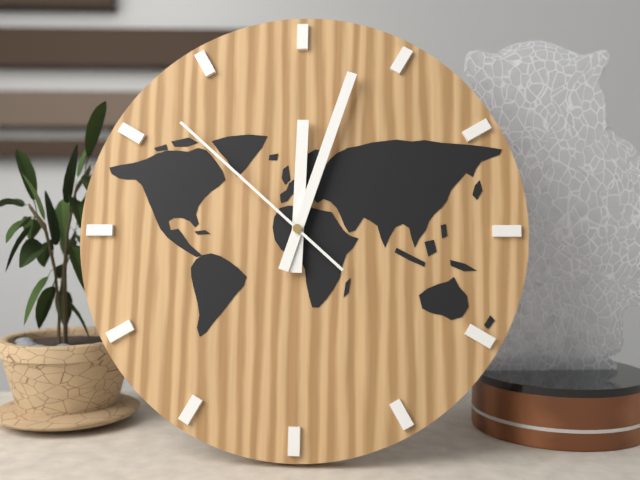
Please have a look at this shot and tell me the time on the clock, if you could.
12:03:52
